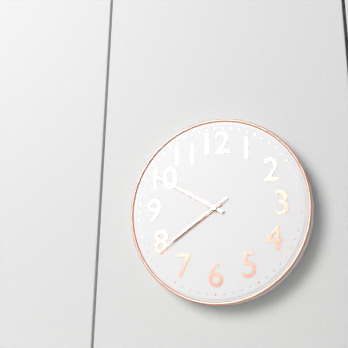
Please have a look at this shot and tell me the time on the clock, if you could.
7:50:39
